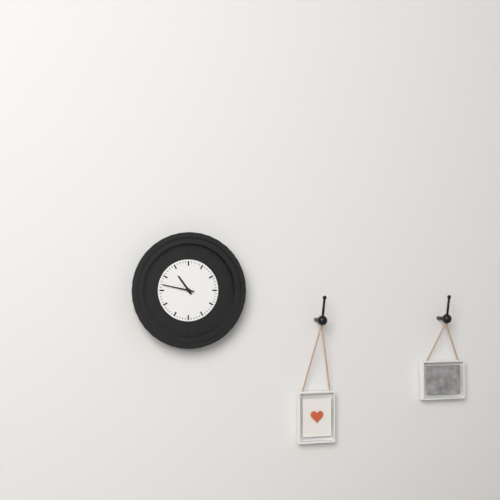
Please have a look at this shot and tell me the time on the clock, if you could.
10:47
